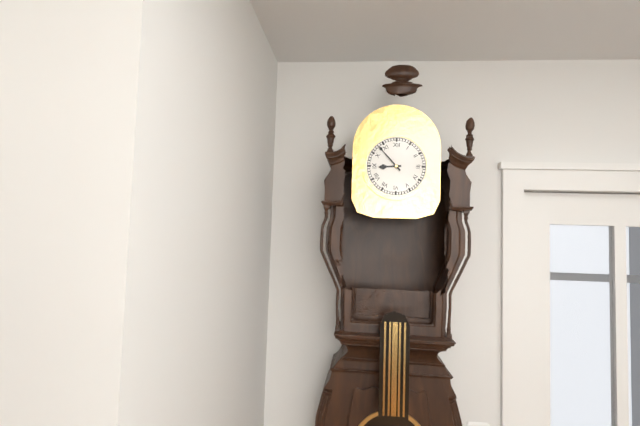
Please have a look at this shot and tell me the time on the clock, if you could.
8:53
